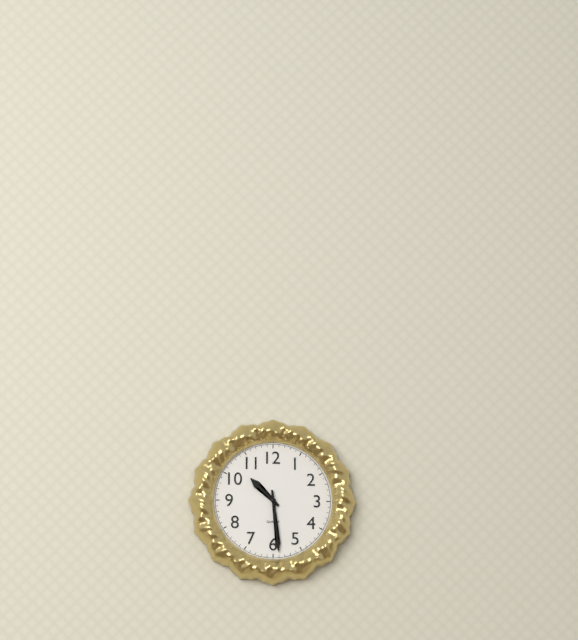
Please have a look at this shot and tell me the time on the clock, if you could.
10:29
